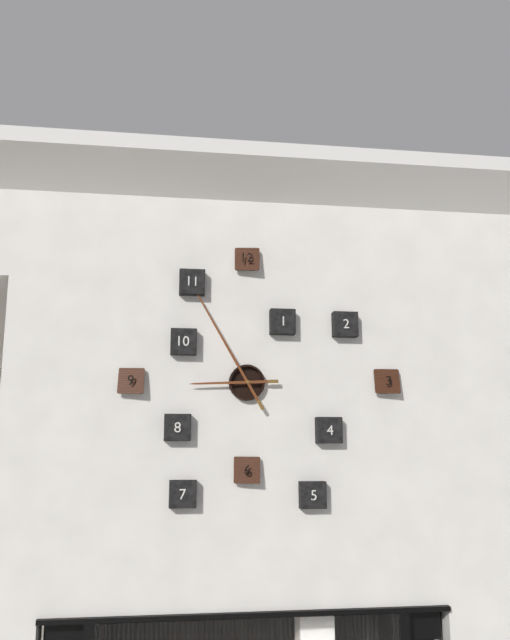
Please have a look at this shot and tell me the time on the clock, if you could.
8:55
